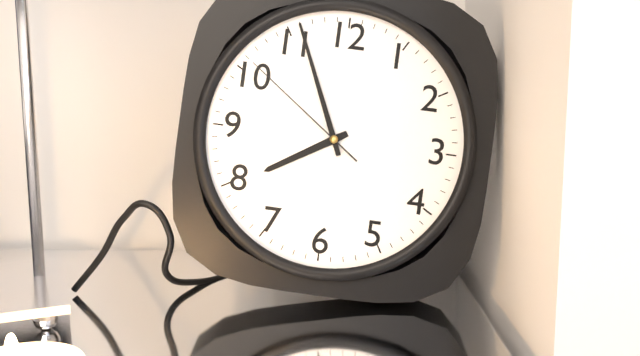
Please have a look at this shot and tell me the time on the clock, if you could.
7:56:51
